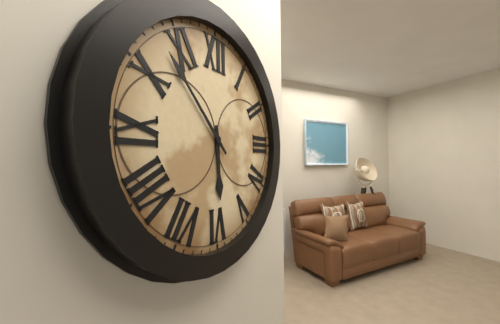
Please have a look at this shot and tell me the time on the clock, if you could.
5:53
